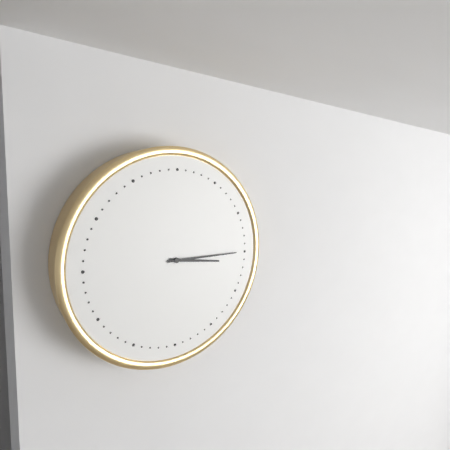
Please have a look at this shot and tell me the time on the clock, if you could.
3:15
